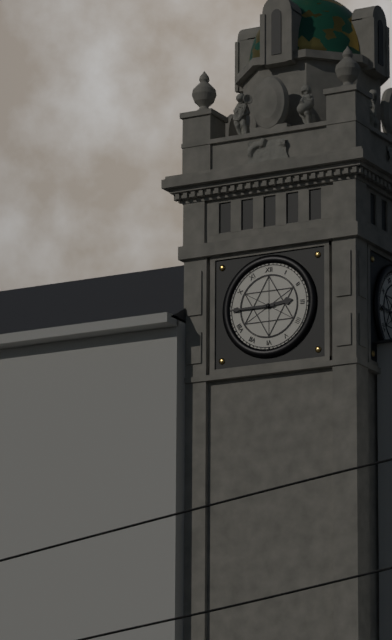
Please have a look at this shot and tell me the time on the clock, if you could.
2:45
